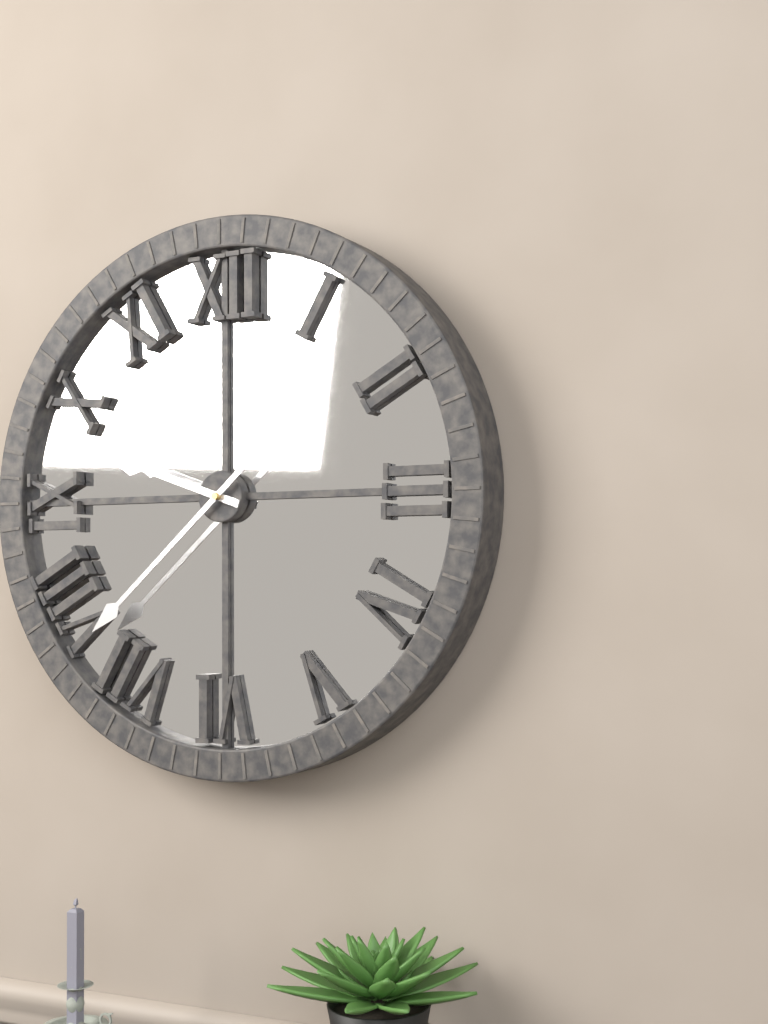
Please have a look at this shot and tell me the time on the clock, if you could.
9:38
